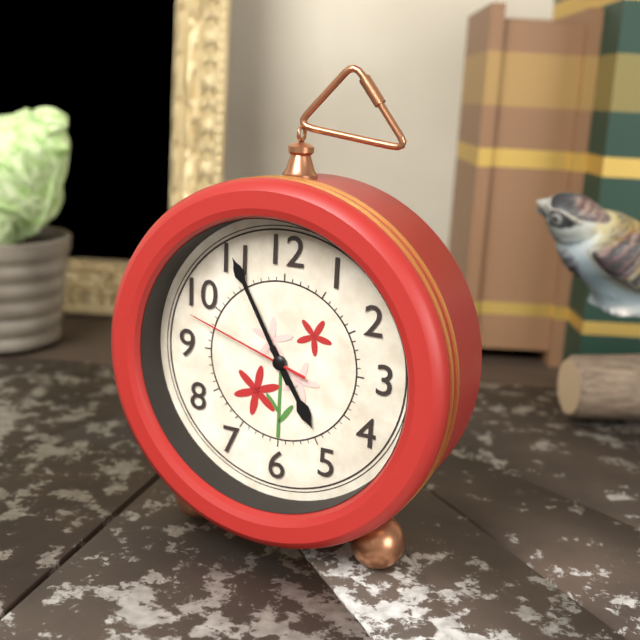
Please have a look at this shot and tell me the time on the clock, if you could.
4:55:48
